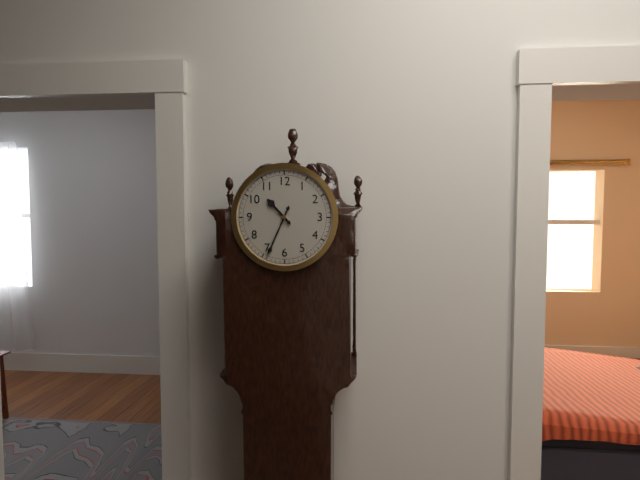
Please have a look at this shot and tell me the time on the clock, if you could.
10:34
